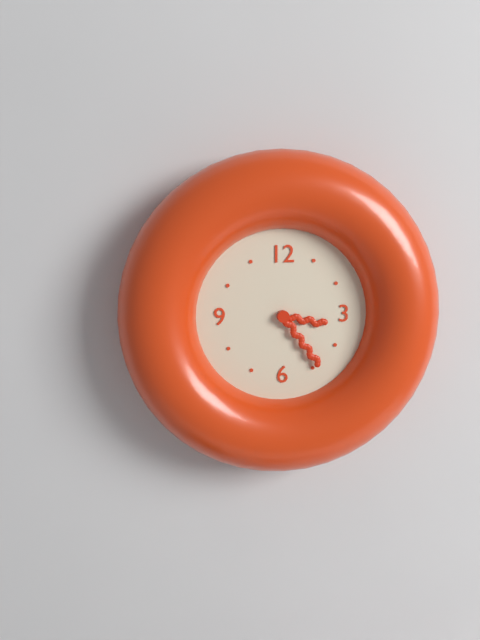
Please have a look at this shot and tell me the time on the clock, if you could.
3:24
